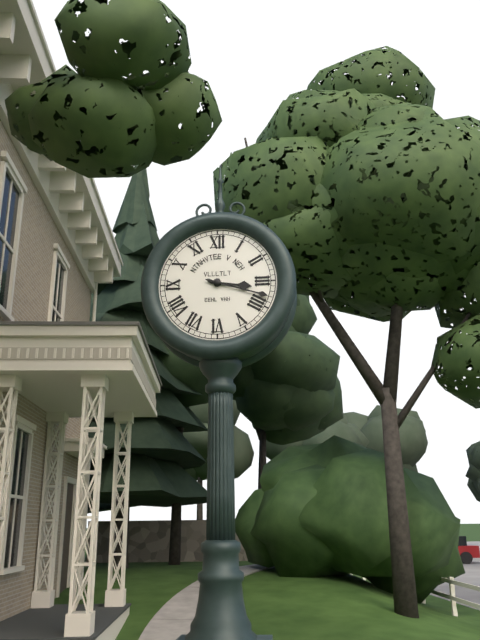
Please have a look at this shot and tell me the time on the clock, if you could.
3:18
